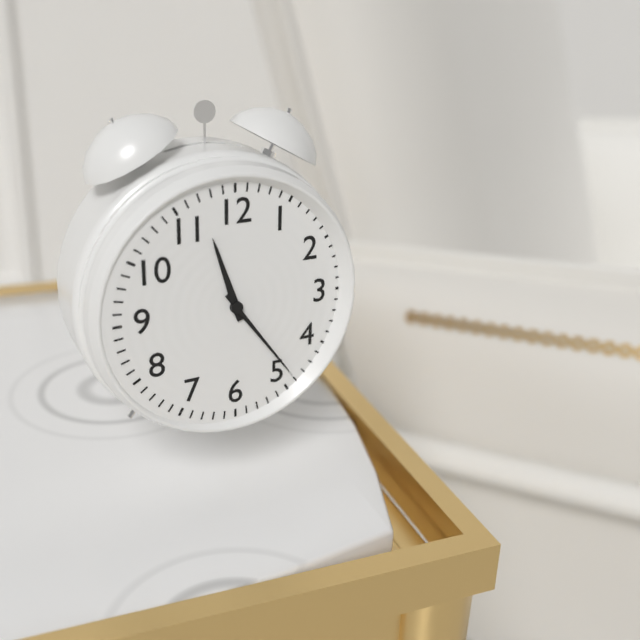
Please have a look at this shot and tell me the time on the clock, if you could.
11:24
